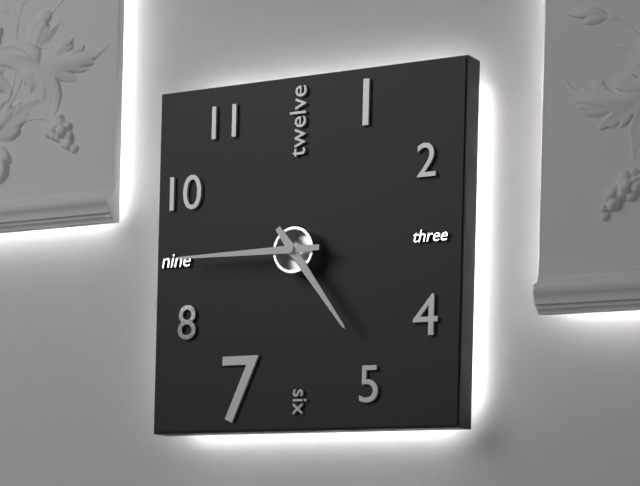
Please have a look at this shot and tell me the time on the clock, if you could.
4:45
